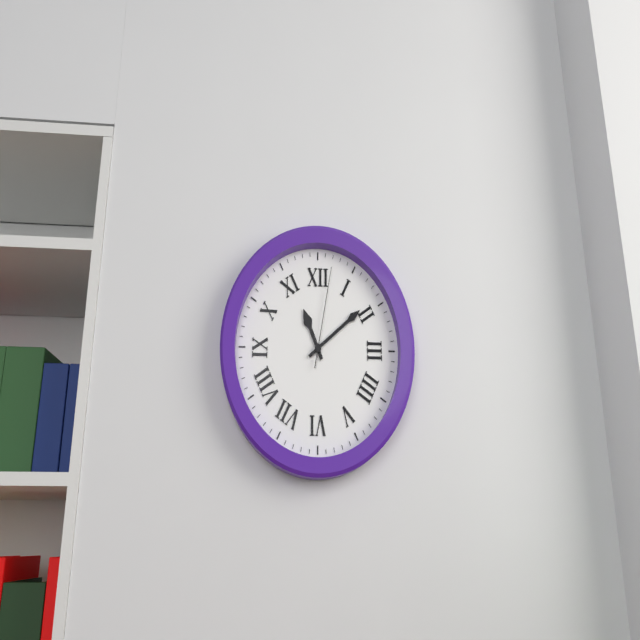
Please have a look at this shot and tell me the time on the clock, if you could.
11:09:02
